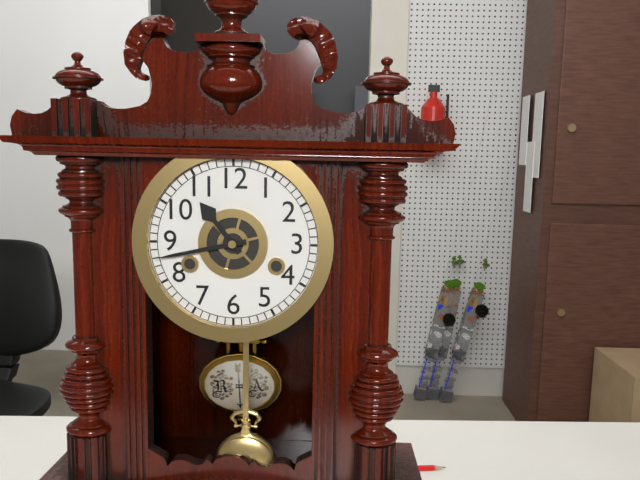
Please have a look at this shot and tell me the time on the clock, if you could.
10:43
